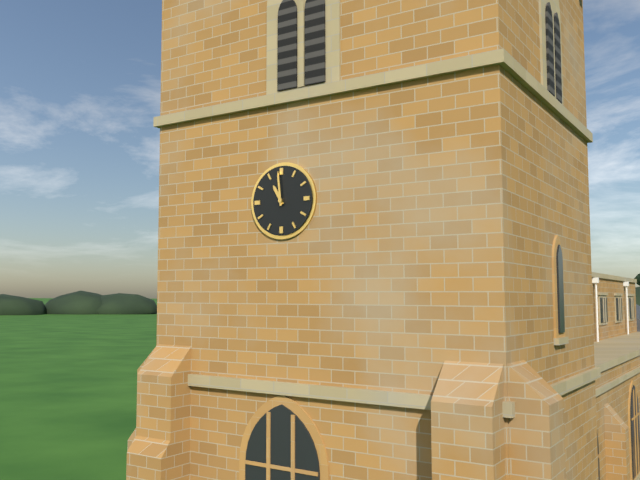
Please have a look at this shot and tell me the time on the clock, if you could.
10:59
